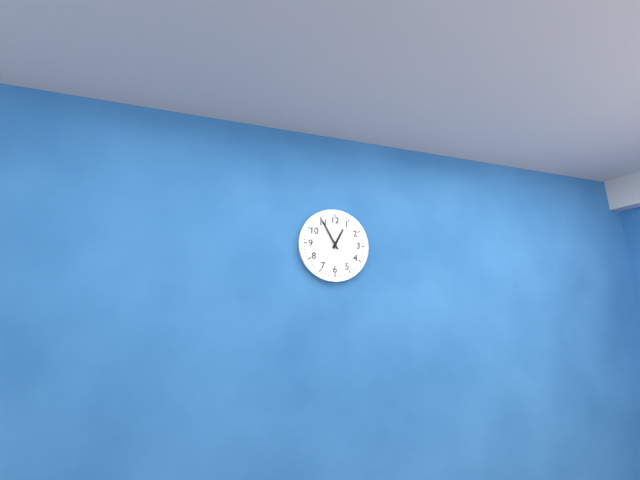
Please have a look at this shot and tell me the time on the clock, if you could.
12:55
